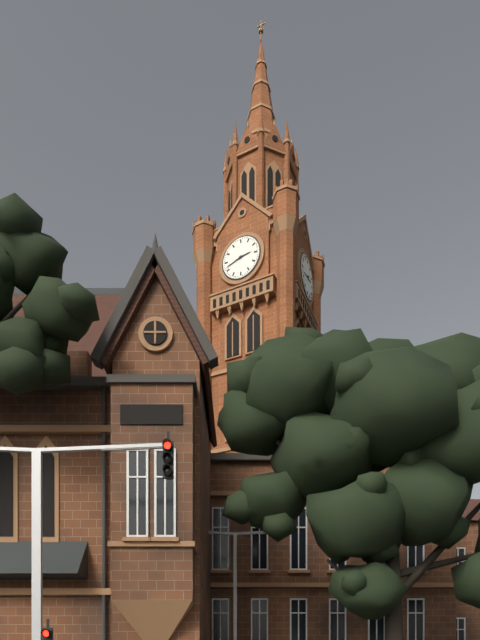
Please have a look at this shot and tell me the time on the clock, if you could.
2:42
